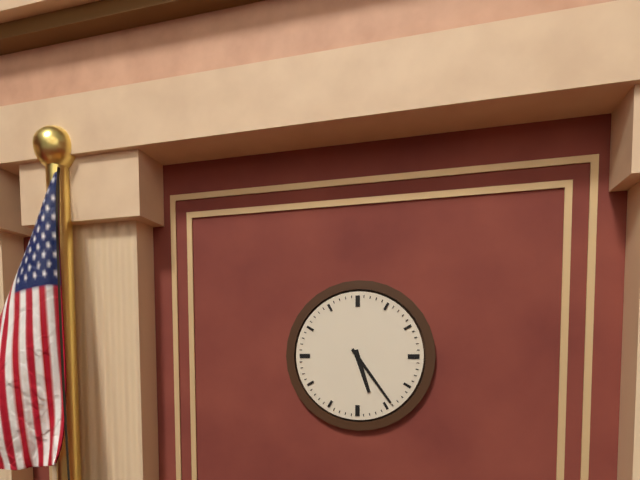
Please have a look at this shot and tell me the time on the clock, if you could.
5:24
